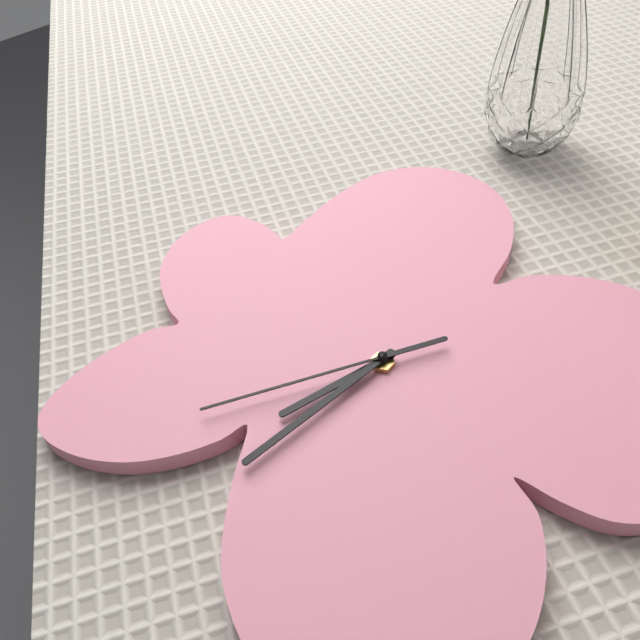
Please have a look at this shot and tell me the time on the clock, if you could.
6:31:35
